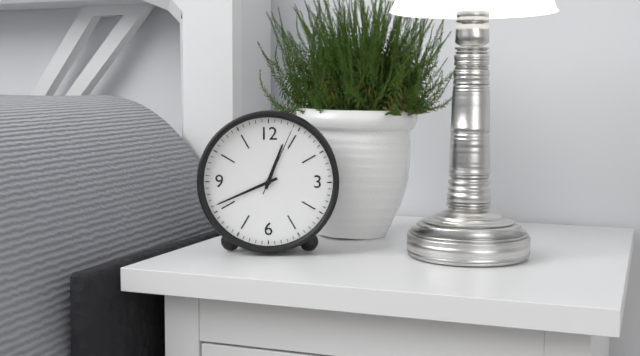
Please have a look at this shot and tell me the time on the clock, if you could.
12:41:04
